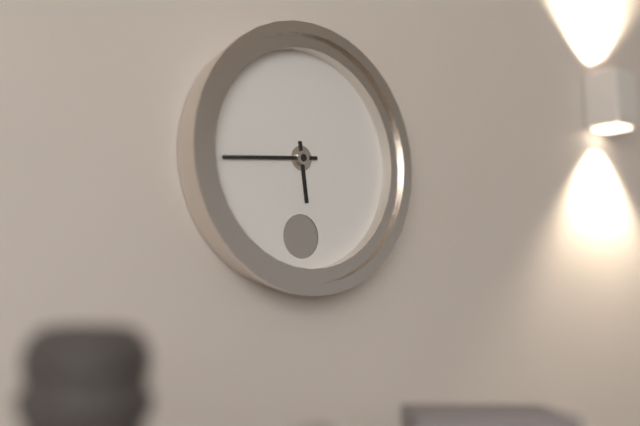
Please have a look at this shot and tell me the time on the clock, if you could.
5:44
